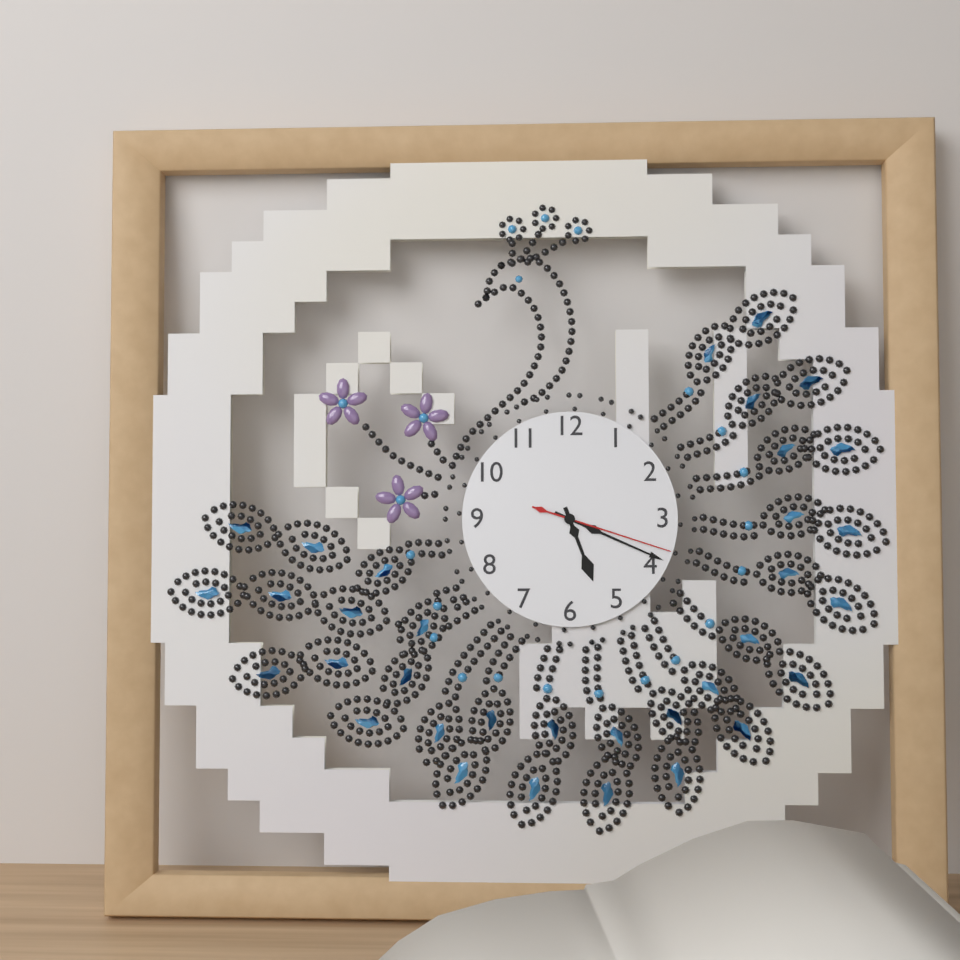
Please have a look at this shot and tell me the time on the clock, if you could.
5:19:18
